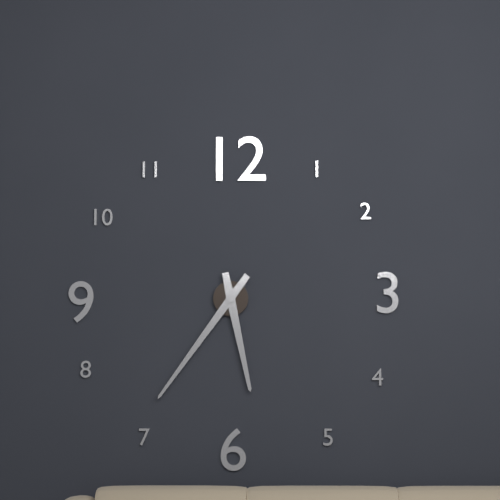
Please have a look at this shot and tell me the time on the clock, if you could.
5:36
